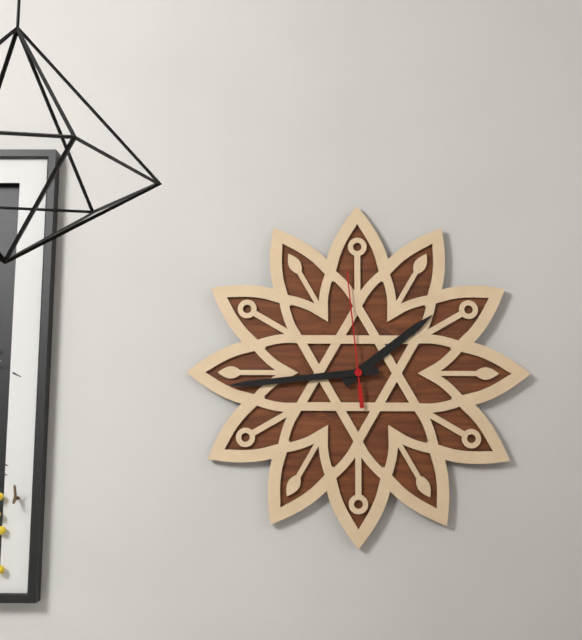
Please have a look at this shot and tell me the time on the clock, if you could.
1:44:59
